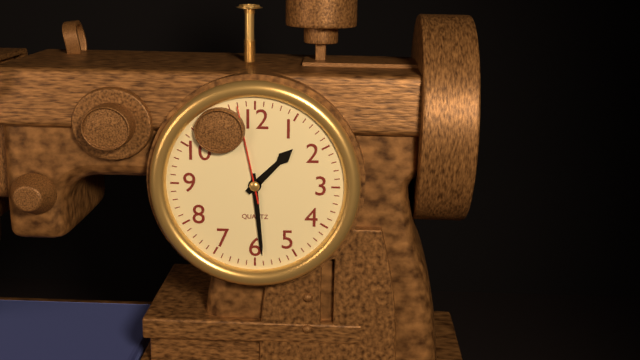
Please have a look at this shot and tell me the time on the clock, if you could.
1:29:58
